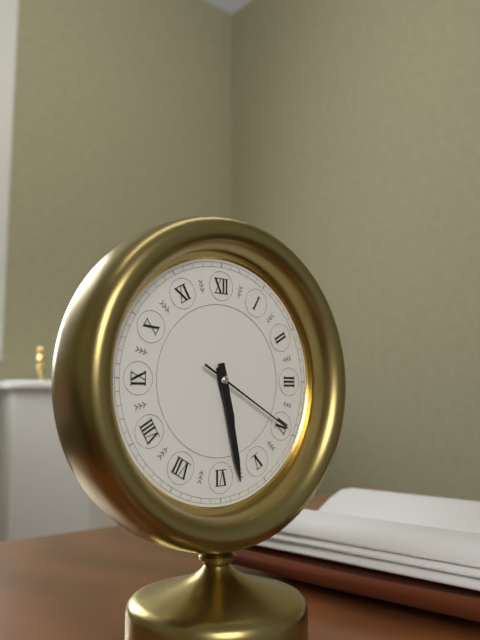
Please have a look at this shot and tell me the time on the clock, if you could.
5:28:20
